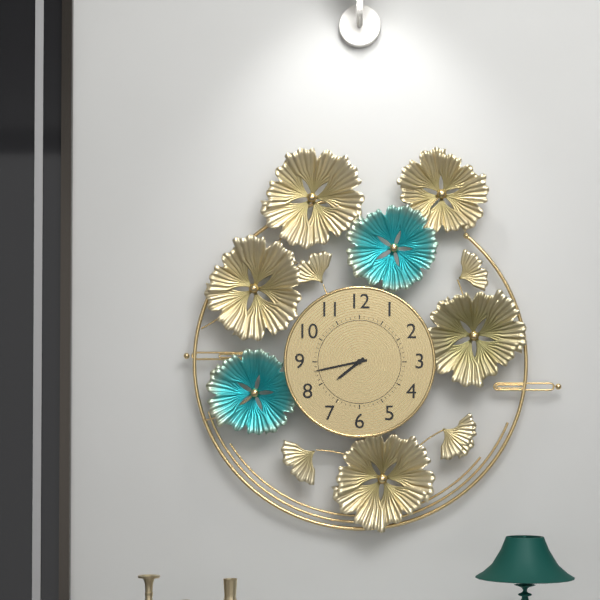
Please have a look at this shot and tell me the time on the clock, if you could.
7:43
